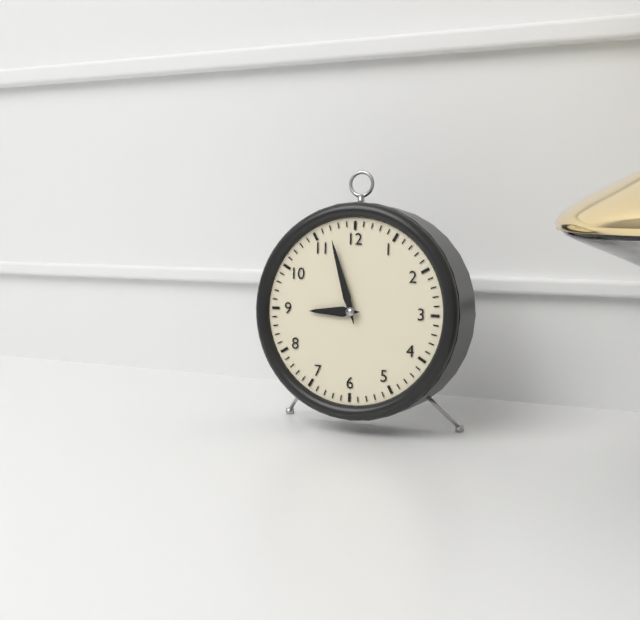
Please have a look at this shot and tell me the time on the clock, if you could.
8:57
